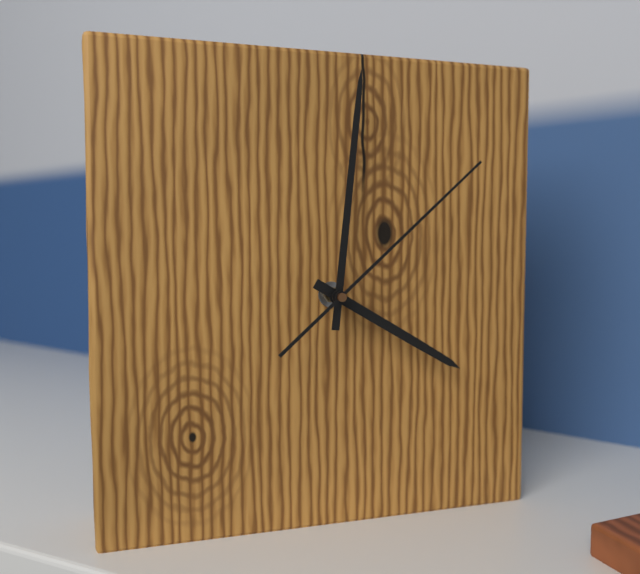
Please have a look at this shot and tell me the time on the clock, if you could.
4:01:08
